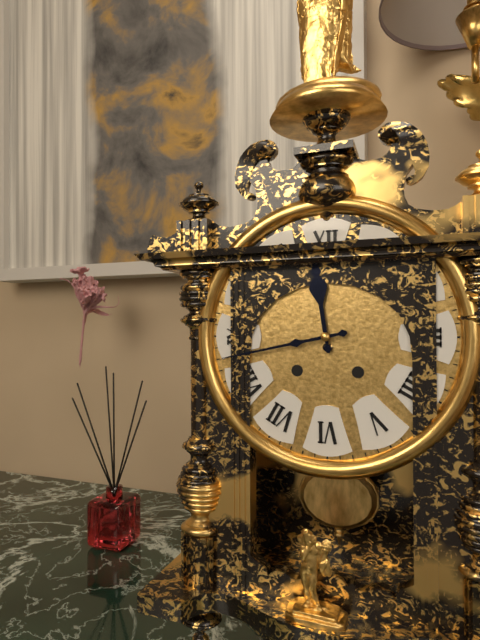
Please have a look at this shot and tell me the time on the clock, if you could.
11:43
